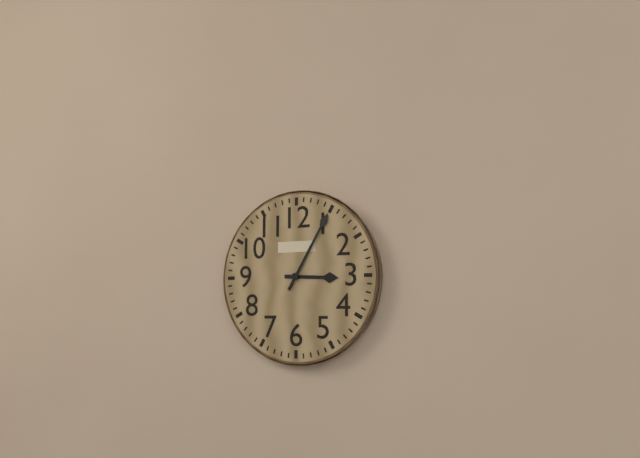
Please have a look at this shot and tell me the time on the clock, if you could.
3:05
